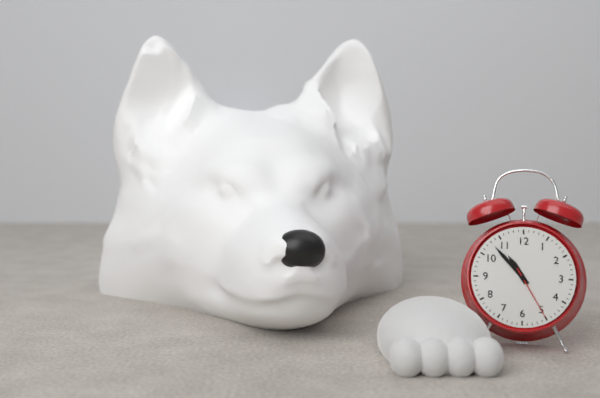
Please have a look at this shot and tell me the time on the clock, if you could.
10:53:25
